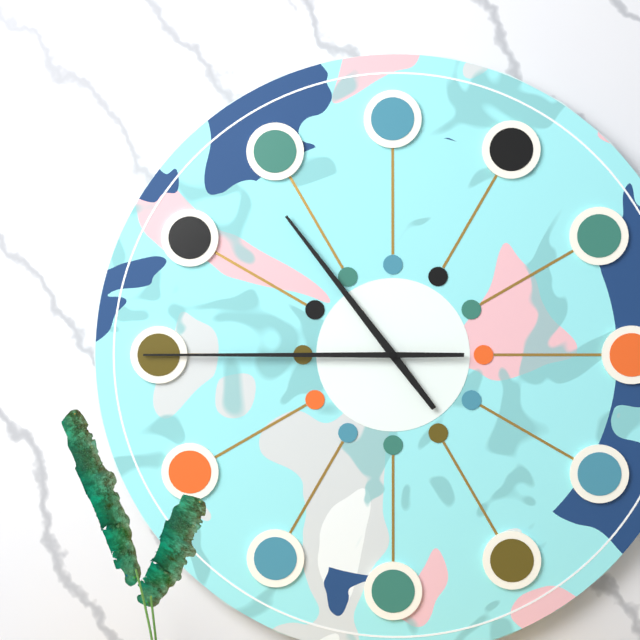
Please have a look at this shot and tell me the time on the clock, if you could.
10:45
